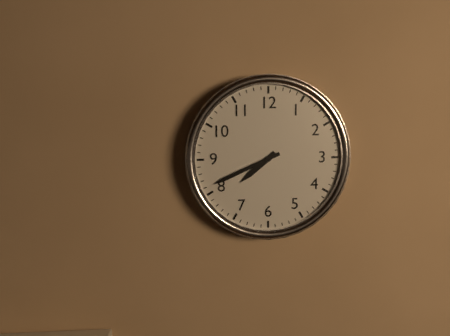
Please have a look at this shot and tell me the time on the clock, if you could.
7:41
